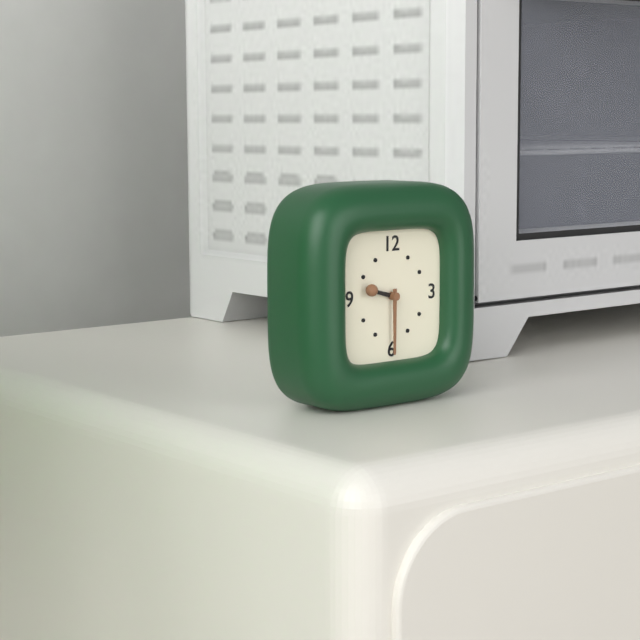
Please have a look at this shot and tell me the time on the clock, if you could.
9:30
